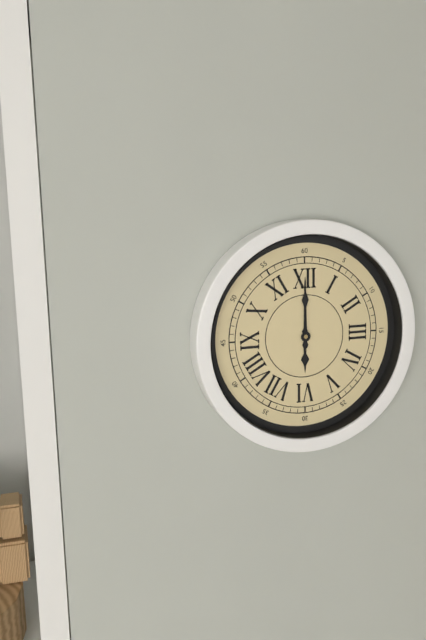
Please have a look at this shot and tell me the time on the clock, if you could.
6:00
